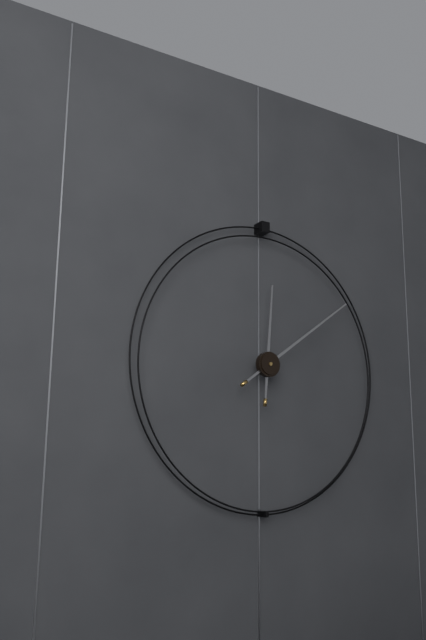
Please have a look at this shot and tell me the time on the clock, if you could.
12:09
